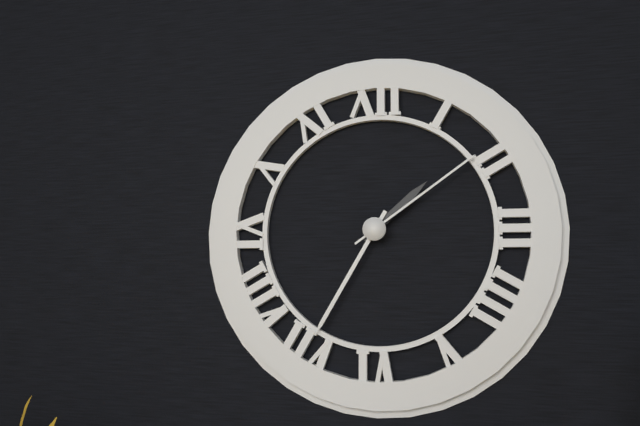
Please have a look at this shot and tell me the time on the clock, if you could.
1:35:09
